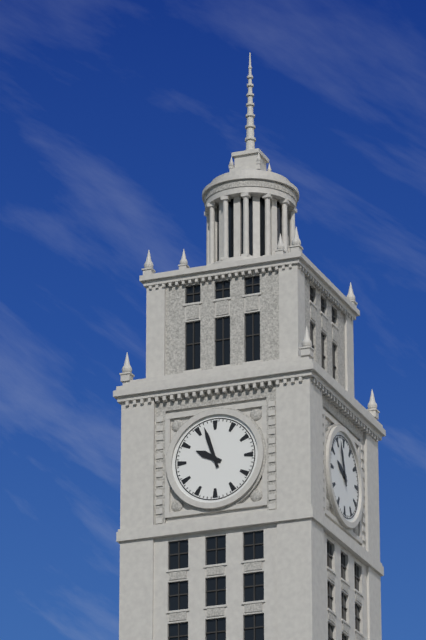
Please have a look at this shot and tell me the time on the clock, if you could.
9:57
